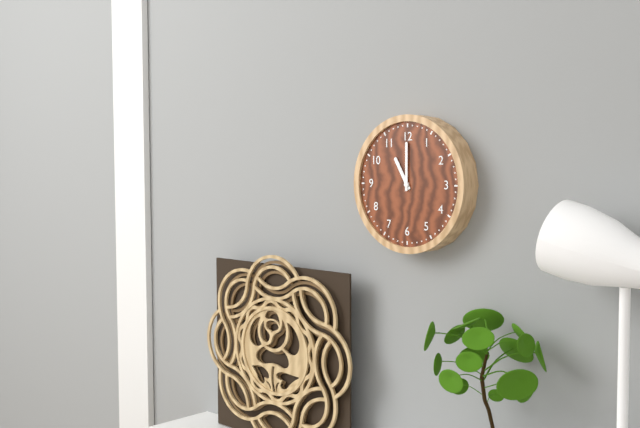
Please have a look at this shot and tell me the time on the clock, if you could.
11:00
